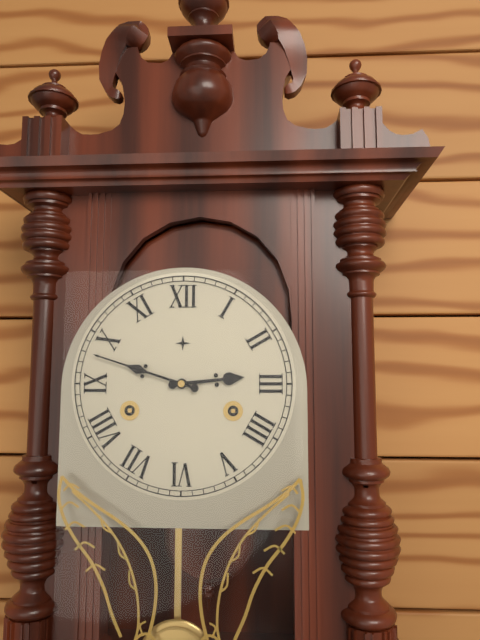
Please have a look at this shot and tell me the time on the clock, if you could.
2:48
